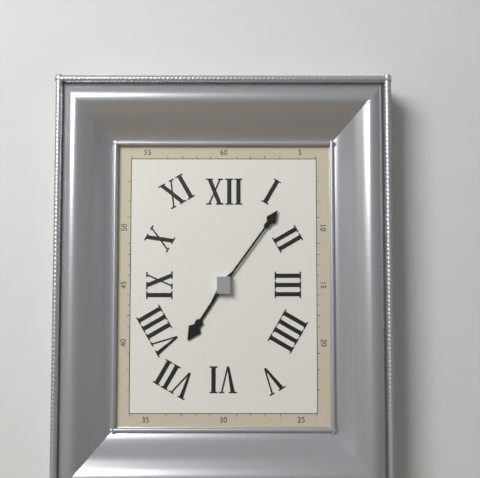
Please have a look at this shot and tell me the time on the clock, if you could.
7:06
